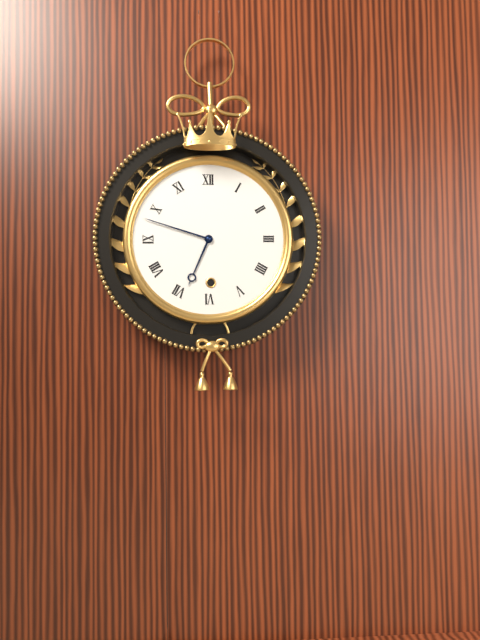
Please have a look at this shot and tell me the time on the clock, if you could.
6:48
